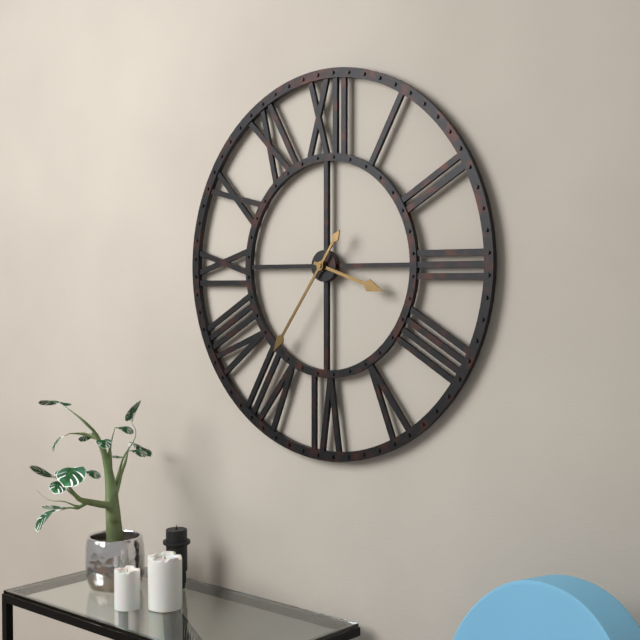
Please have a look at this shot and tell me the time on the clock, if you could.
3:36
